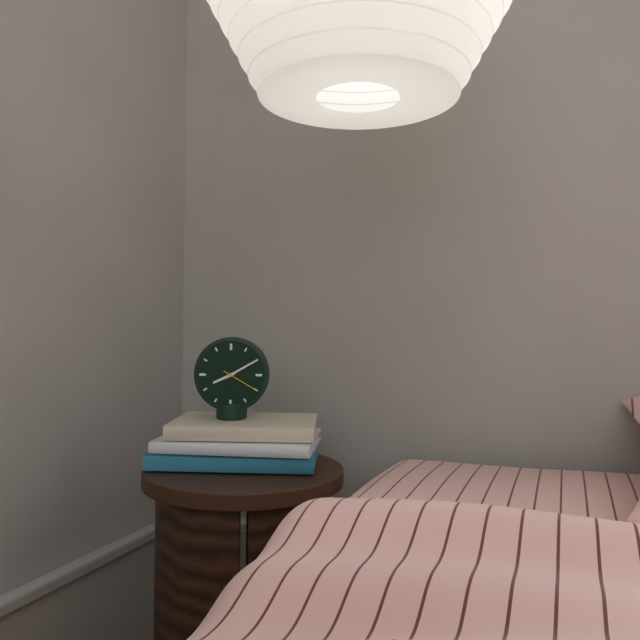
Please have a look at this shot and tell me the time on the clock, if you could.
8:10
